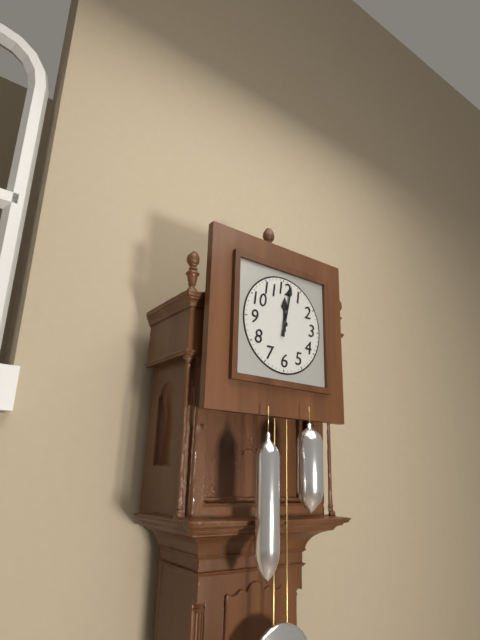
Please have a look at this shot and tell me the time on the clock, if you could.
12:02
